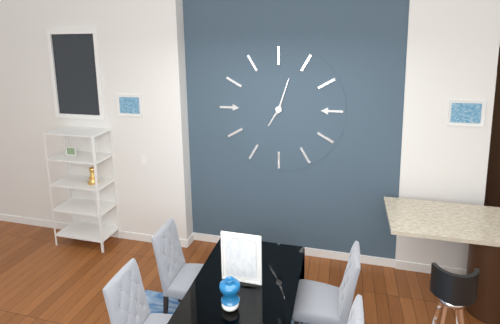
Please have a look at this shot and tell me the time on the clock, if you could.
7:03
